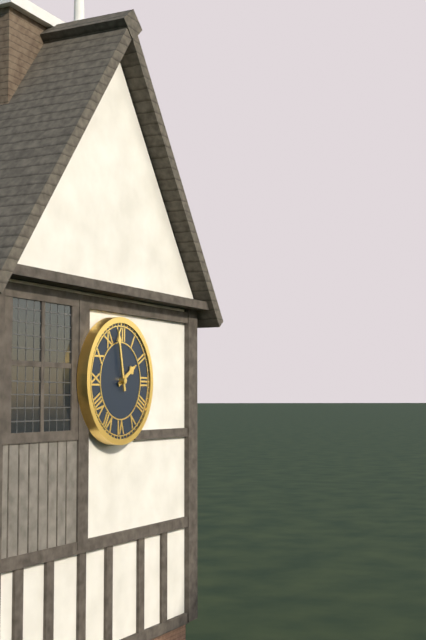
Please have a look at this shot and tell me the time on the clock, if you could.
1:58
